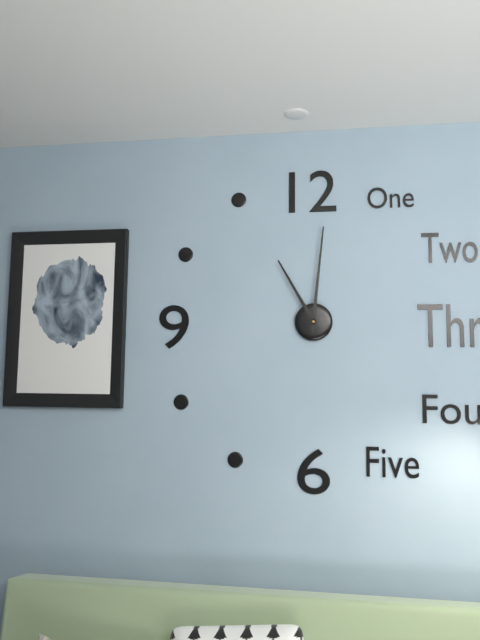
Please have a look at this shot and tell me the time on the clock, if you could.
11:01
